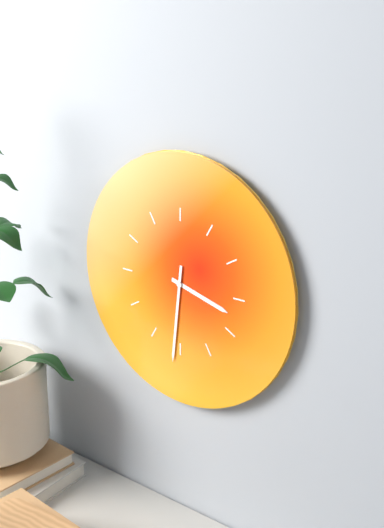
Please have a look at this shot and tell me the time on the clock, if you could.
3:31
